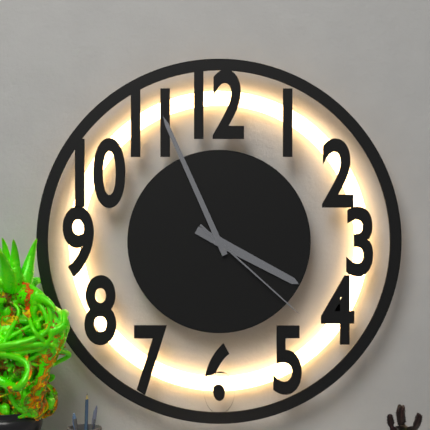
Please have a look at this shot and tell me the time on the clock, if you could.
3:56:22
